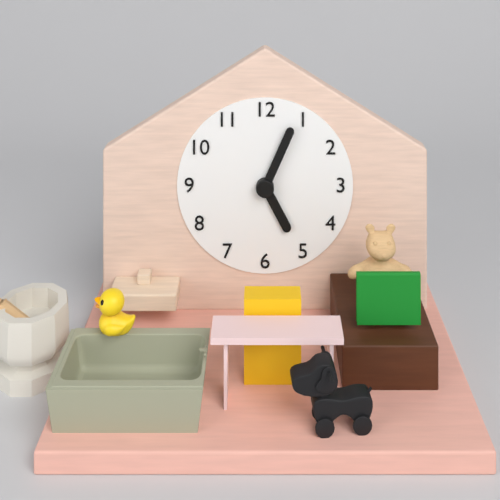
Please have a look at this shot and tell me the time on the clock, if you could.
5:04
